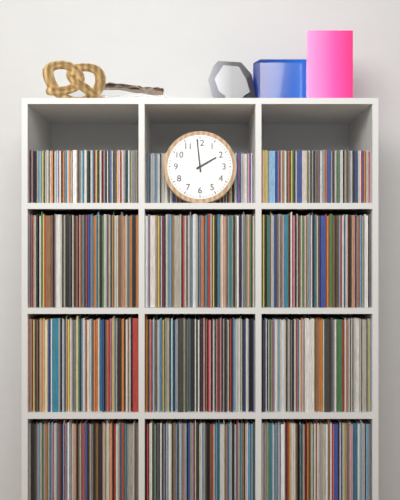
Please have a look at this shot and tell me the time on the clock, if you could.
1:59
